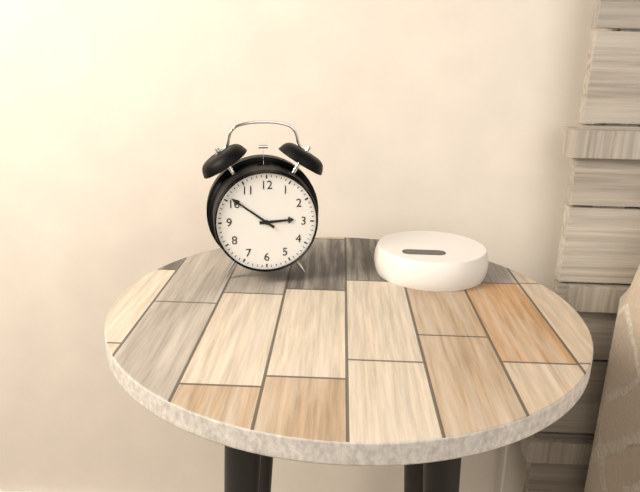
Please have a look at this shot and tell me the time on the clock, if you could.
2:51
